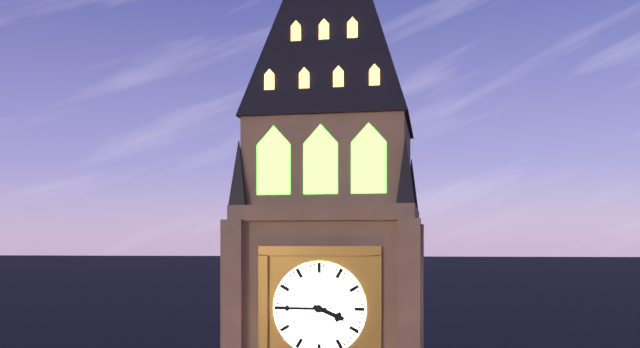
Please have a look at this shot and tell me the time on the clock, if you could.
3:45
